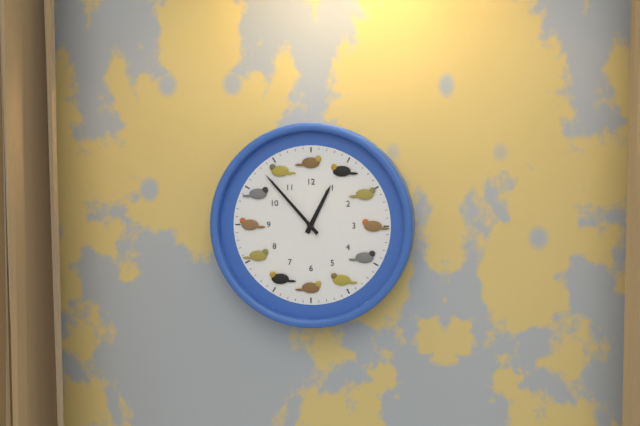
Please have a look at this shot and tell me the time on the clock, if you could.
12:53
